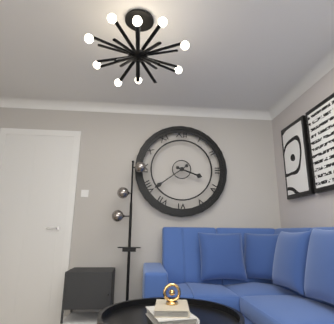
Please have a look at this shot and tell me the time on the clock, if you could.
3:39
